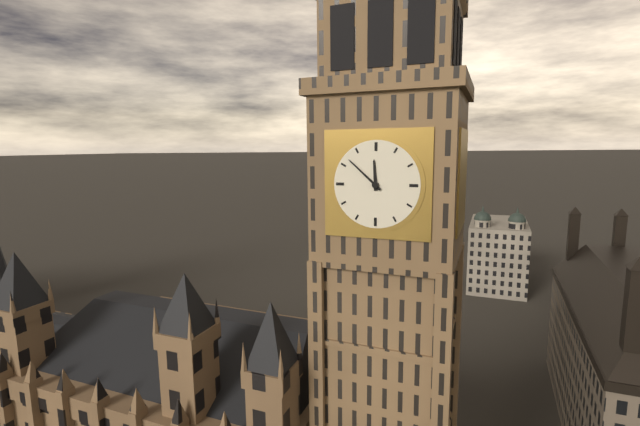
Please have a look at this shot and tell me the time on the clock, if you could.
11:52
